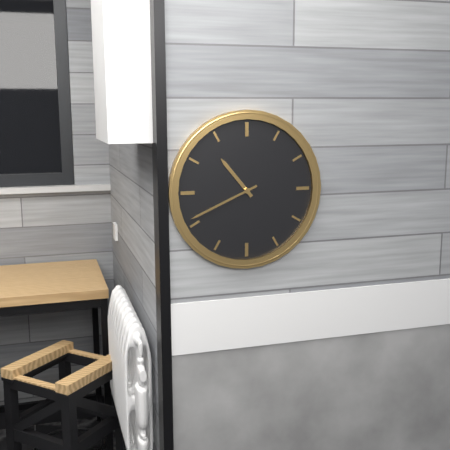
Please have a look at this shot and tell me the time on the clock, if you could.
10:41
